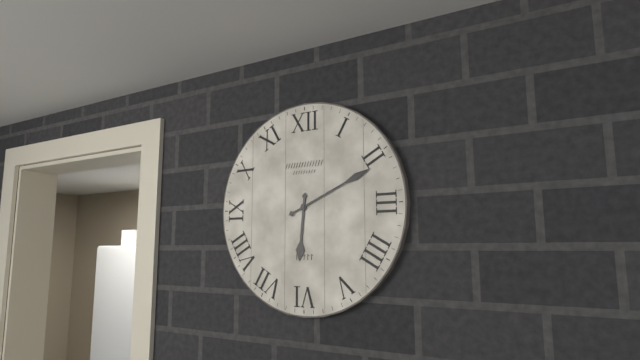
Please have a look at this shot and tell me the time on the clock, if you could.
6:11
